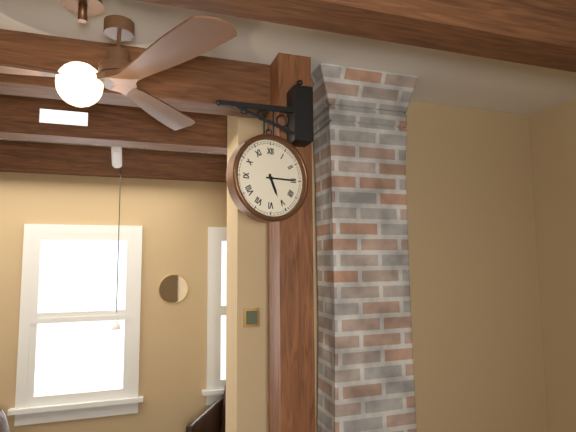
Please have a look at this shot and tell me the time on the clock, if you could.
5:15
